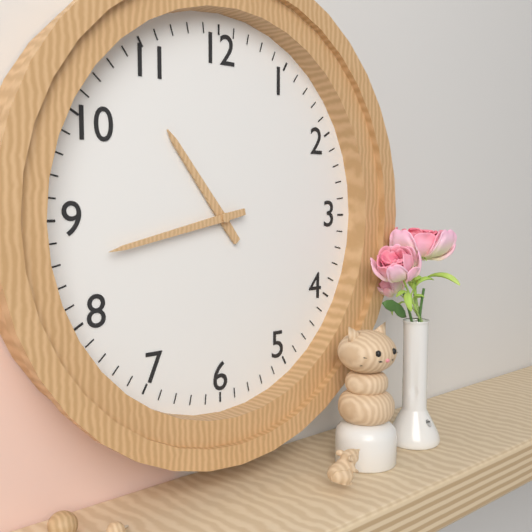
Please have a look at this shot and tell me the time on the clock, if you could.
10:43
